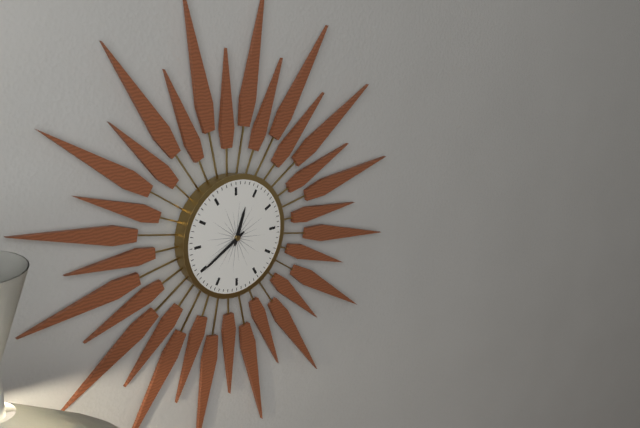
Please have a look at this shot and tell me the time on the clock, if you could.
12:40
